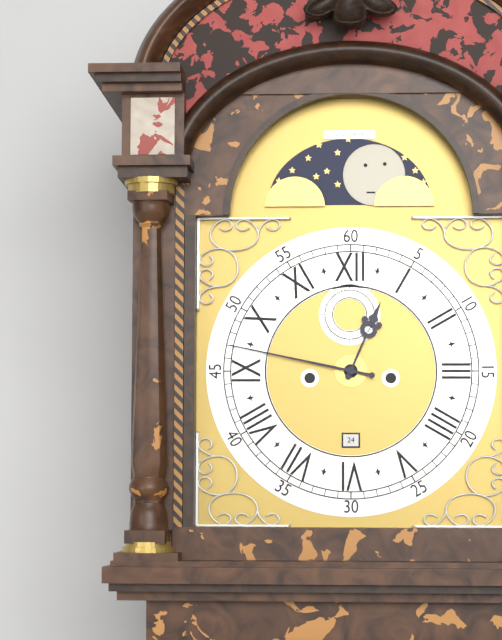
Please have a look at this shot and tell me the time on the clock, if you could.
12:47
